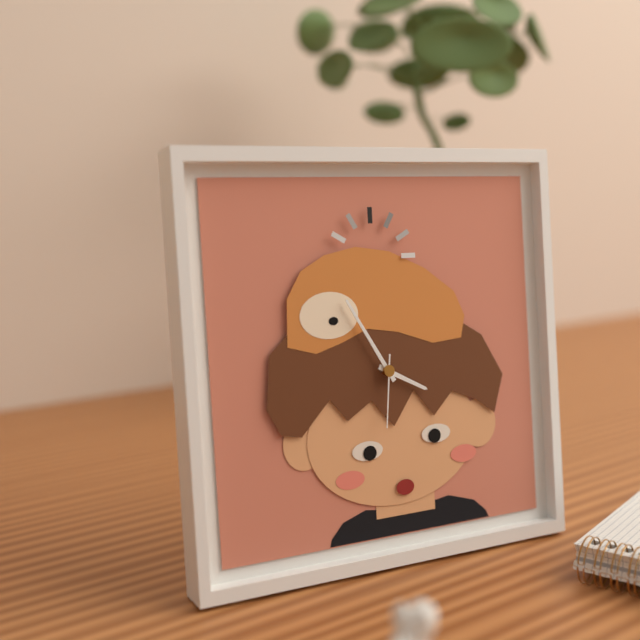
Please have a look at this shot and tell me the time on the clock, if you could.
3:55:31
